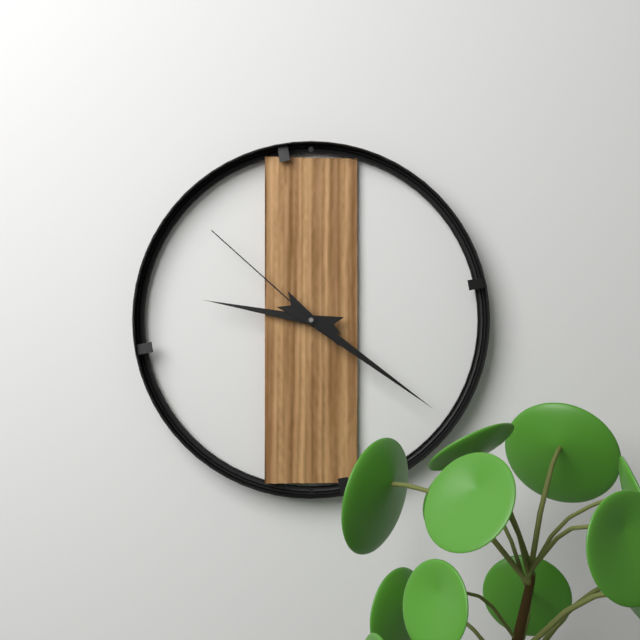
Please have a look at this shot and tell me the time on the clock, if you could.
9:21:52
